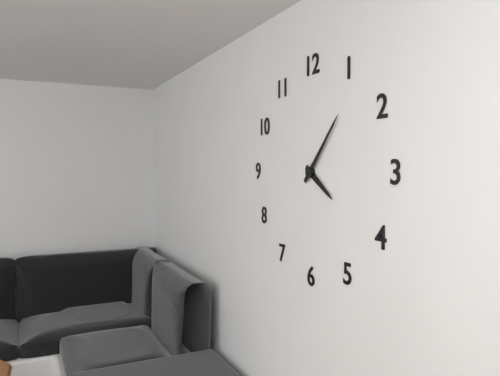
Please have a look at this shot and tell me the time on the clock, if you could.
4:07
